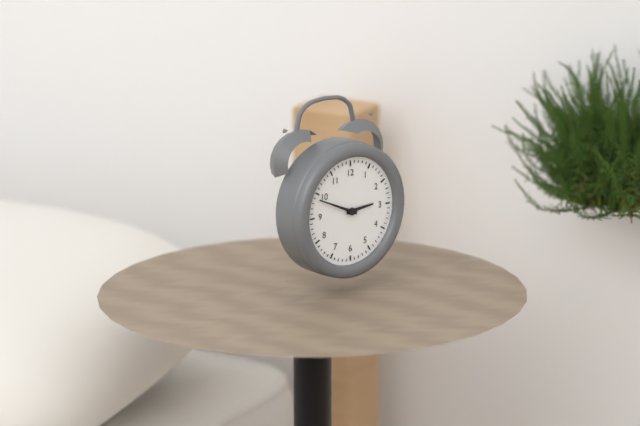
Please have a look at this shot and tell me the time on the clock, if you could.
2:49
